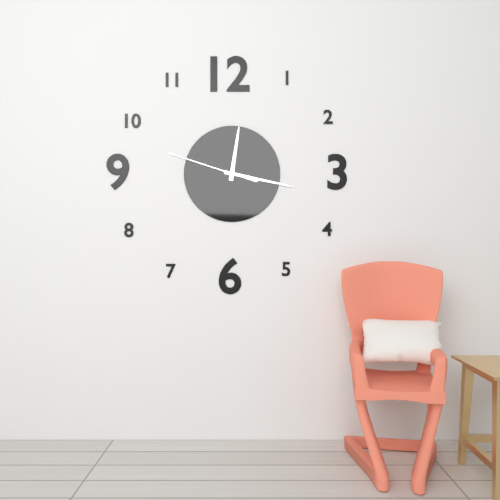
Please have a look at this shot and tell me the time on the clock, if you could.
12:17:48
